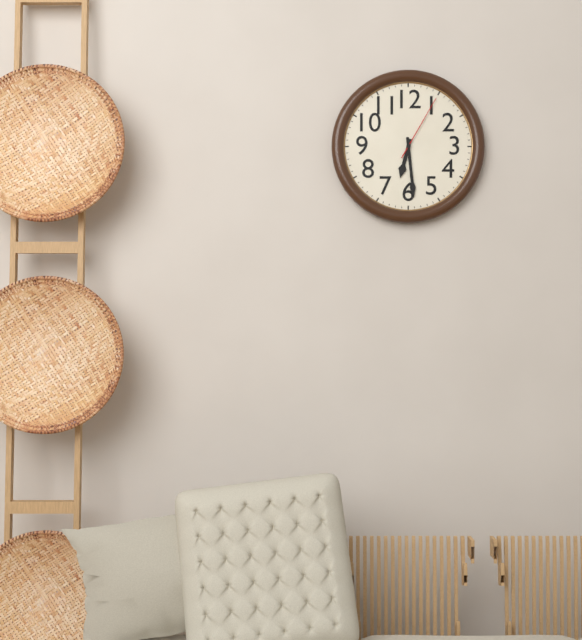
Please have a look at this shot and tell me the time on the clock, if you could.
6:29:05
